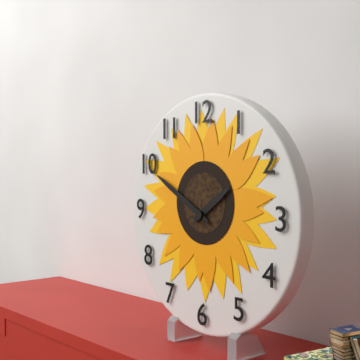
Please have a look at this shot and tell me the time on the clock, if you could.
1:50
